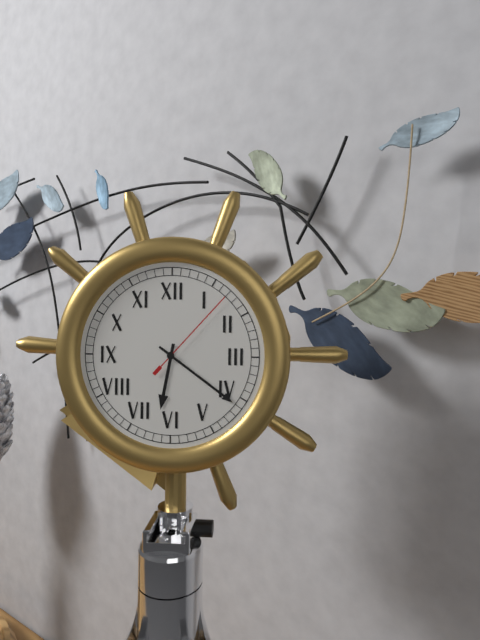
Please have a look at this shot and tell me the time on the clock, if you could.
6:21:07
